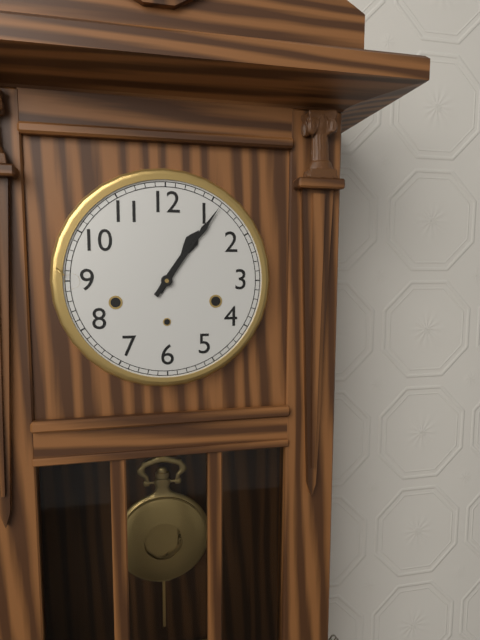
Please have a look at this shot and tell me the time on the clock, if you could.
1:06
